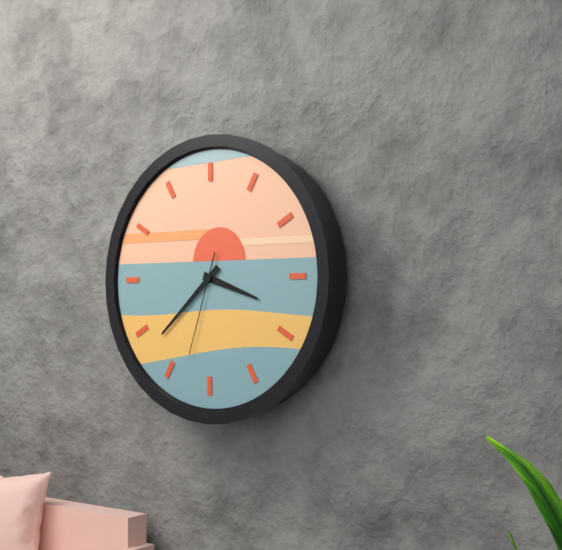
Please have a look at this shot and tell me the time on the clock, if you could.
3:38:33
